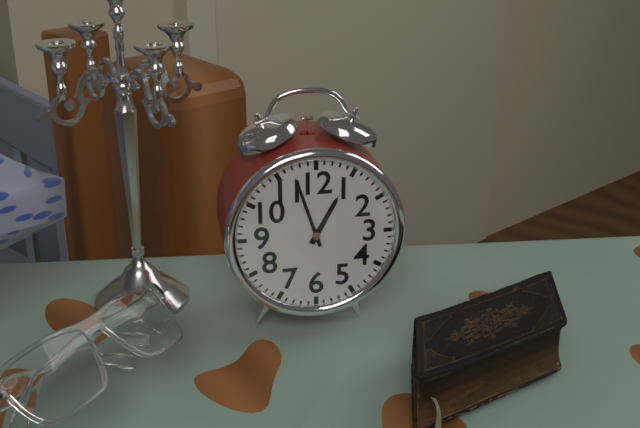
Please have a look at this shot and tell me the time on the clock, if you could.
12:57
